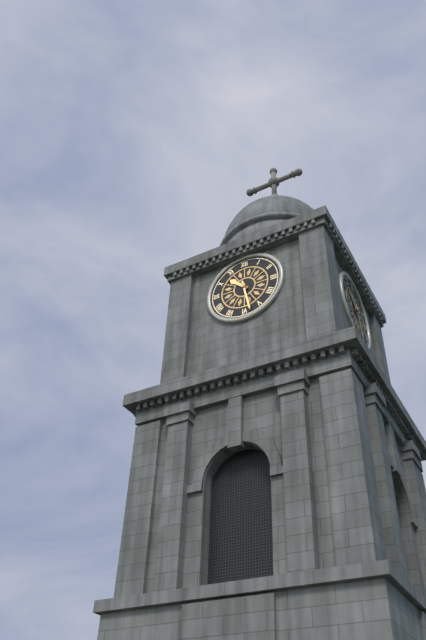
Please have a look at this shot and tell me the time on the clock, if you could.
10:28
